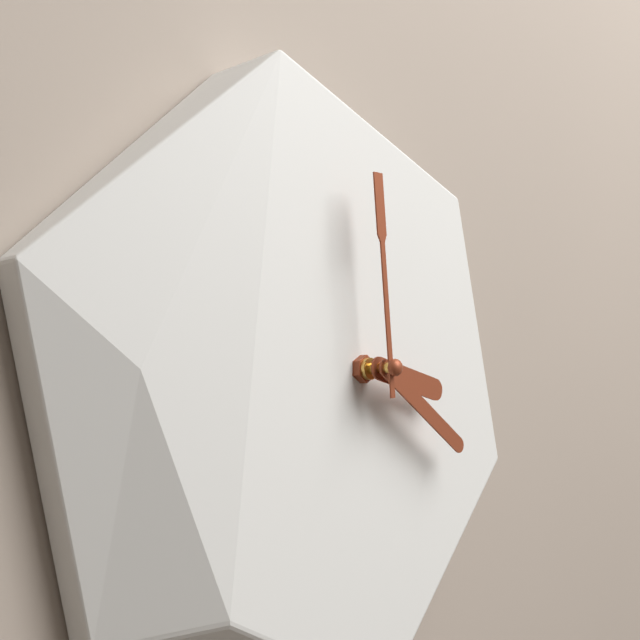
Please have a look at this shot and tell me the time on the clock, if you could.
3:20:59
